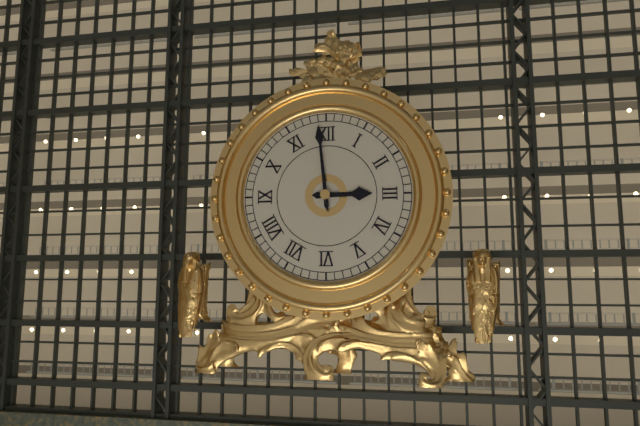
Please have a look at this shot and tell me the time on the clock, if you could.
2:59
